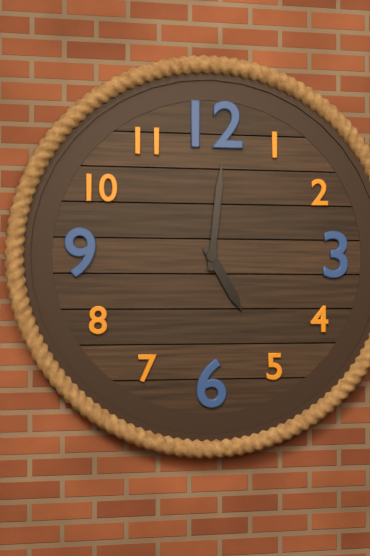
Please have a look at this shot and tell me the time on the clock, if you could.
5:01
